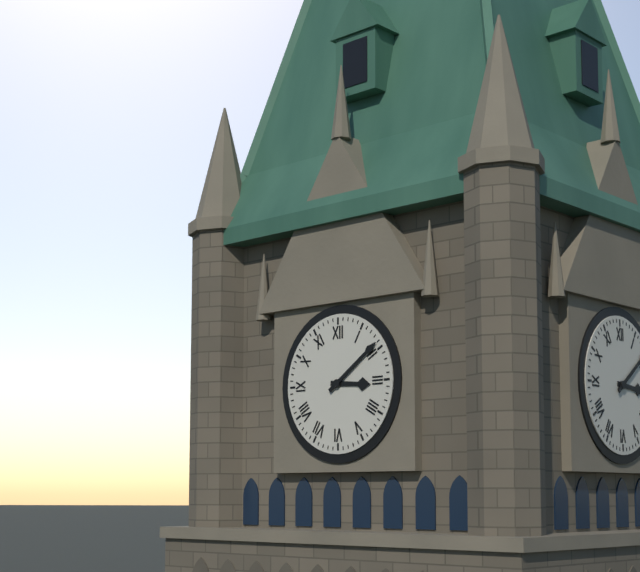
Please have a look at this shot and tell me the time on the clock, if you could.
3:09
